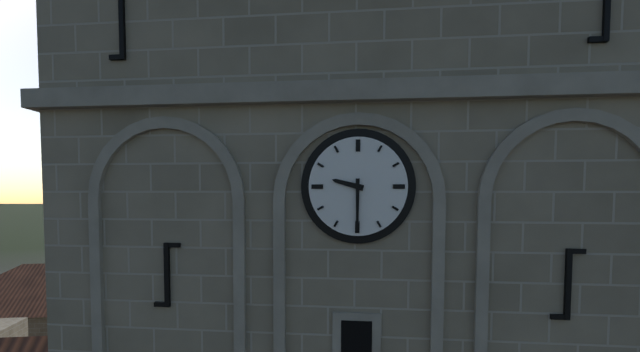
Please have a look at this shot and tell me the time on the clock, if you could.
9:30
